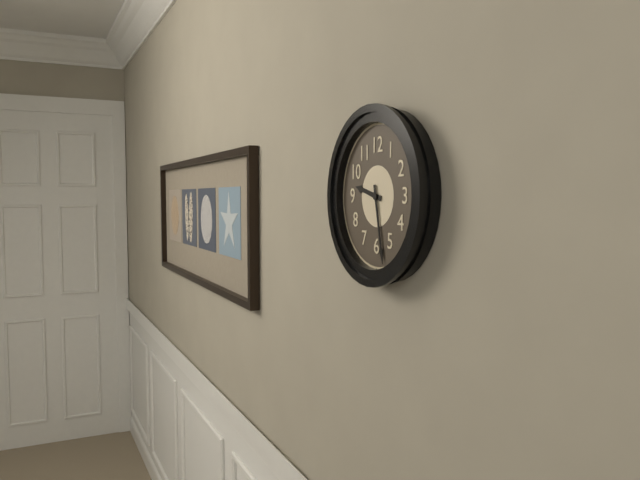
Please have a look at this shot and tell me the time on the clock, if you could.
9:28
